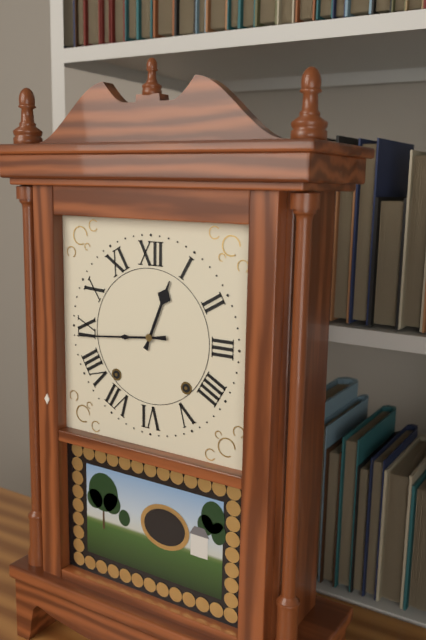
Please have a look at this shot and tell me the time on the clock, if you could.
12:44
